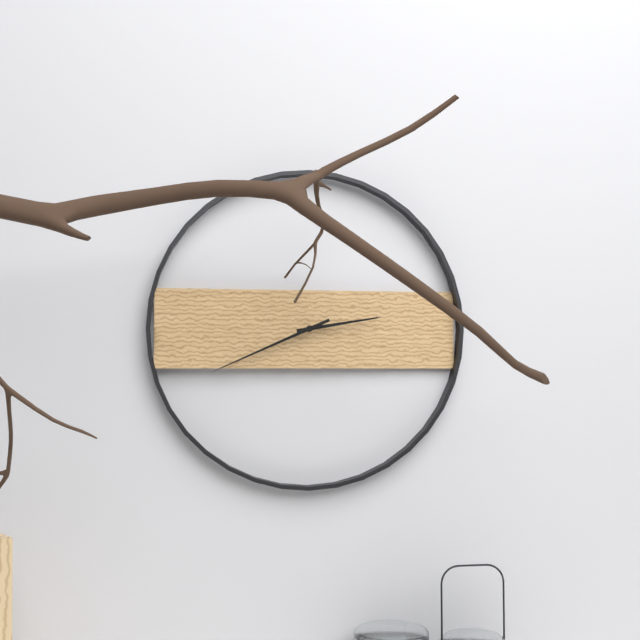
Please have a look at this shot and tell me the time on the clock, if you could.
2:41
